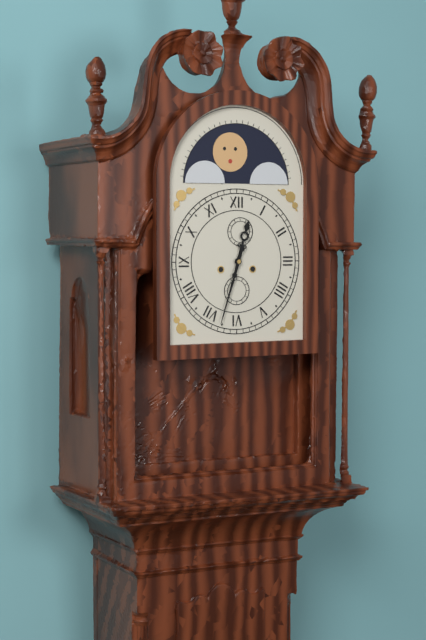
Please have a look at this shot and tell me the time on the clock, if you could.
12:33
